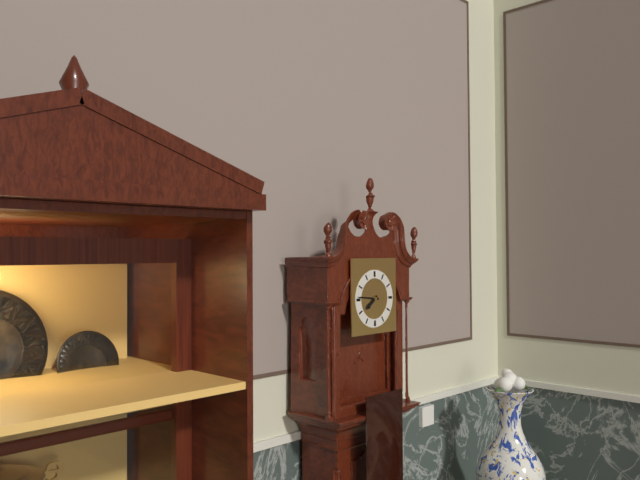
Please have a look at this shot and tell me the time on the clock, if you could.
7:46
